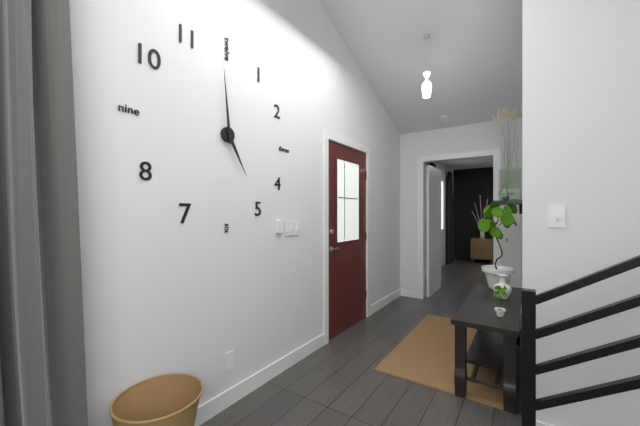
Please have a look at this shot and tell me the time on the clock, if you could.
4:59
